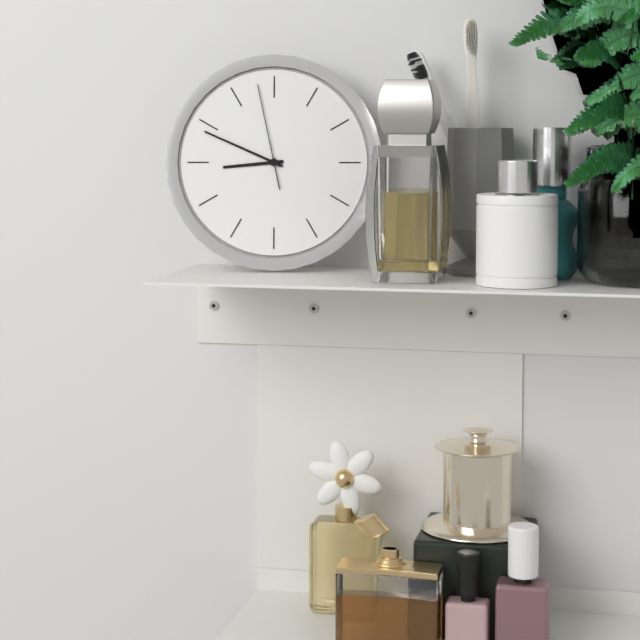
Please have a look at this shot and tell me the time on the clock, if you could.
8:49:58
